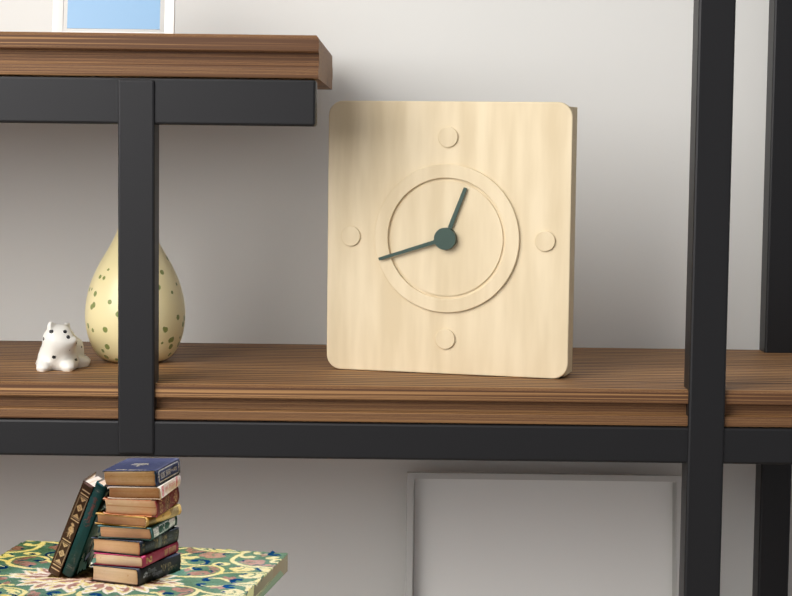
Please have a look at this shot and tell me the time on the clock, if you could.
12:42
